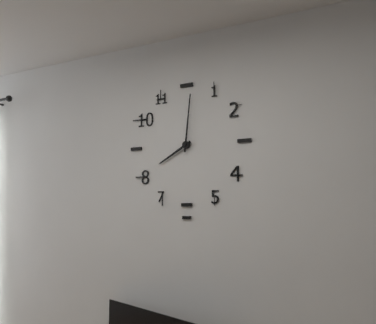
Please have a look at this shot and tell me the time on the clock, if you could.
8:01
